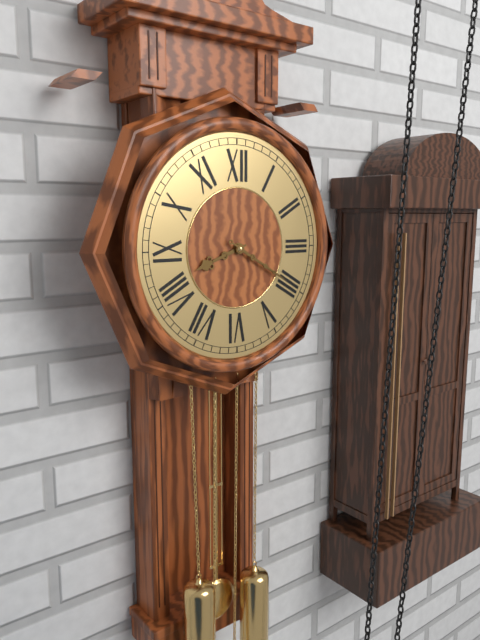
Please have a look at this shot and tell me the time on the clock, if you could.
8:20
